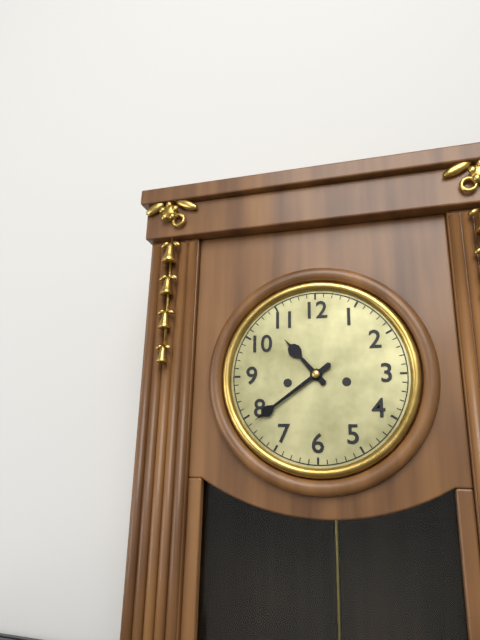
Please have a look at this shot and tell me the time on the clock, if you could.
10:39
